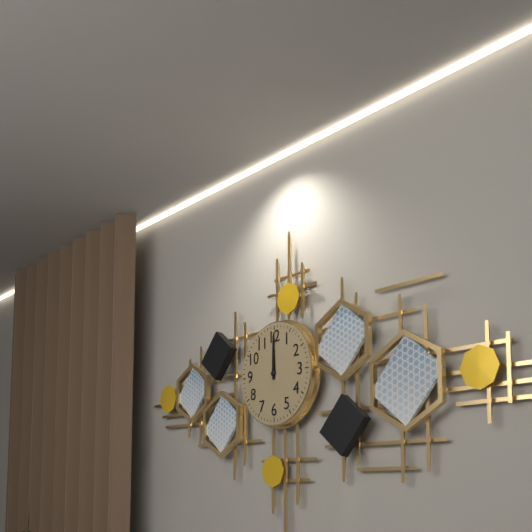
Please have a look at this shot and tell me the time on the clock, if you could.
12:00
